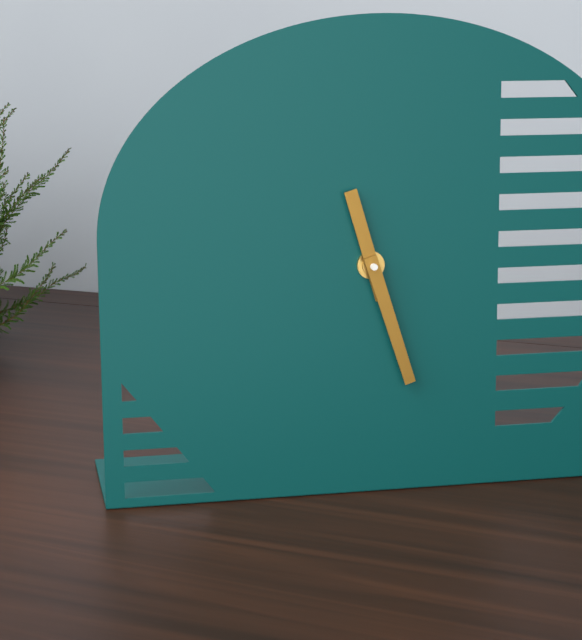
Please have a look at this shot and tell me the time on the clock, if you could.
11:27
